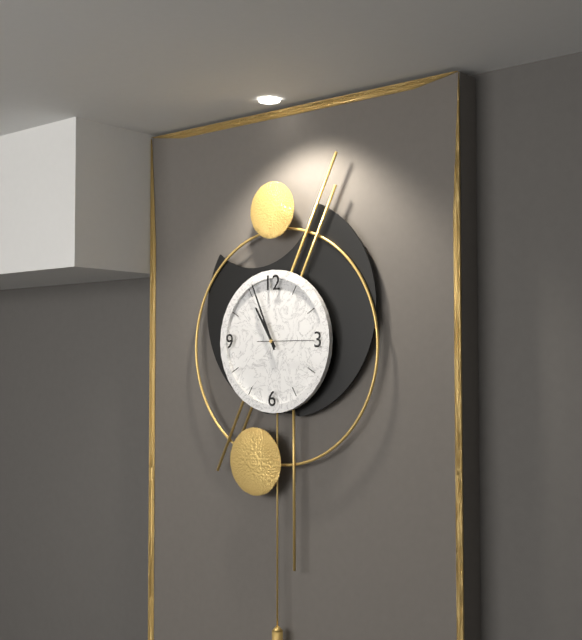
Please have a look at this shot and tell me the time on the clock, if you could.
10:56:15
